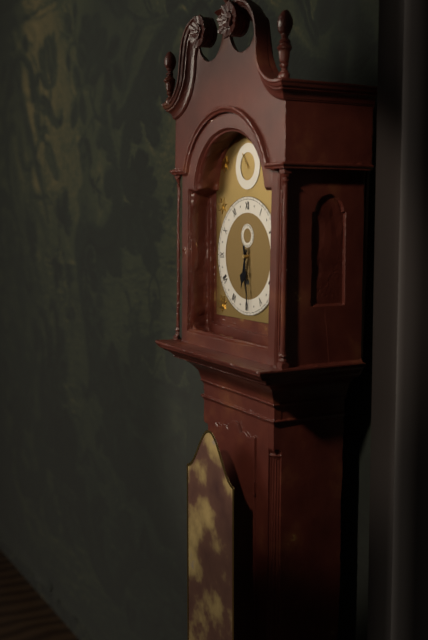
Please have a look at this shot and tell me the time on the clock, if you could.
6:29
